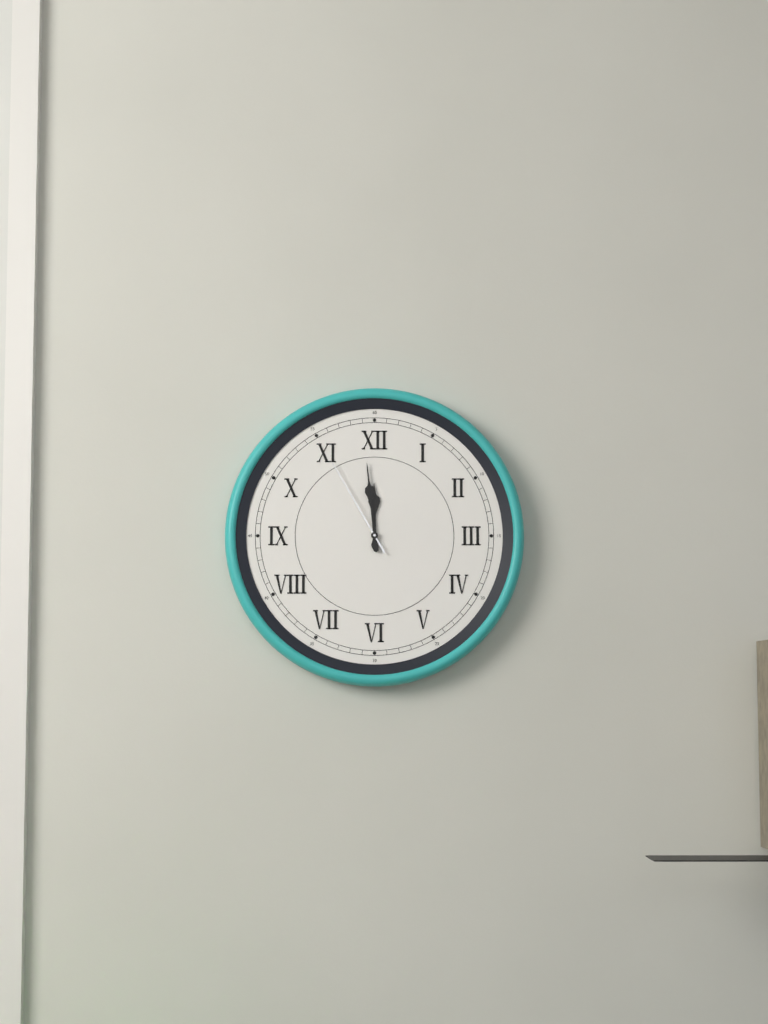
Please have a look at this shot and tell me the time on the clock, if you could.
11:59:55
